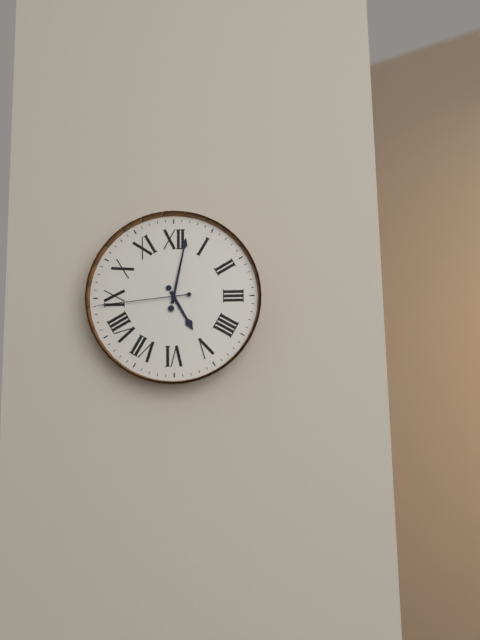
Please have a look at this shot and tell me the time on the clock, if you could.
5:02:44
